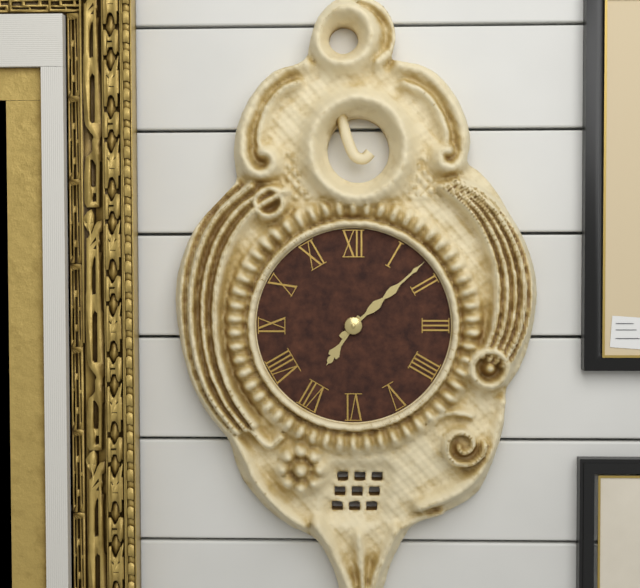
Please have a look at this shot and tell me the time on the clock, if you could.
7:08
